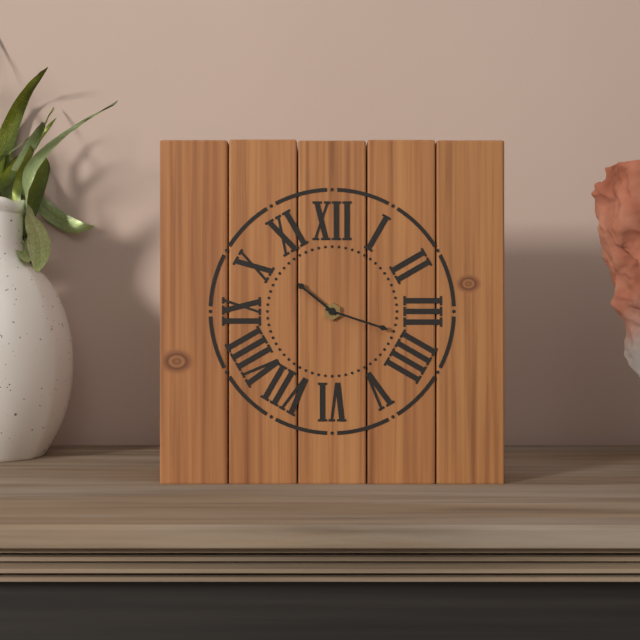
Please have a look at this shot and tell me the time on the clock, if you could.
10:18
